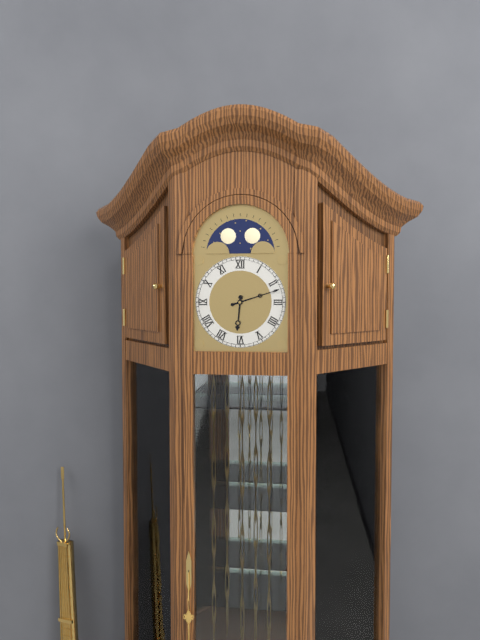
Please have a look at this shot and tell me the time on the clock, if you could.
6:12
